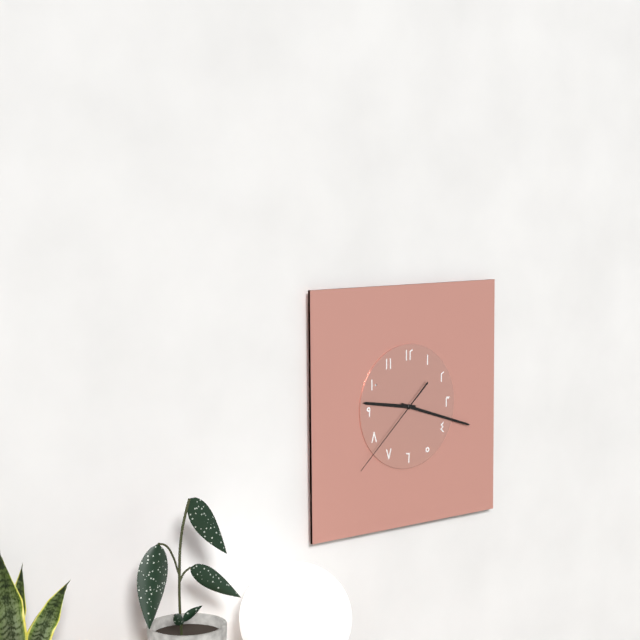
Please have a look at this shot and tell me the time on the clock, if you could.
9:18:38
